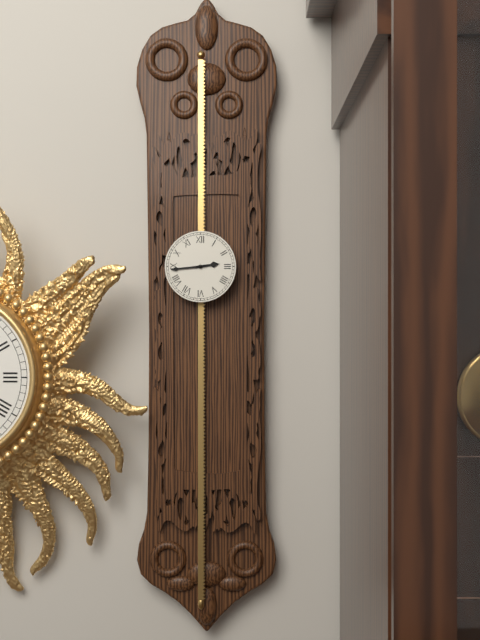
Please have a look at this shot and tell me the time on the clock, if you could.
2:44
